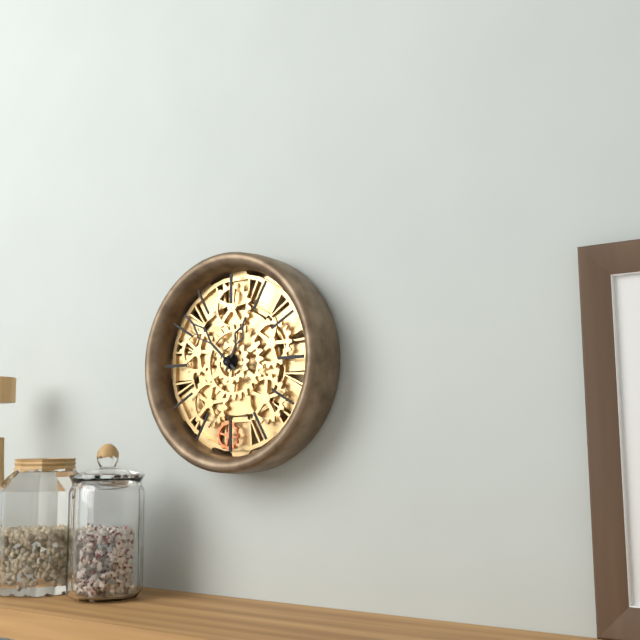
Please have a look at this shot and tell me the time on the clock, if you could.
12:52
